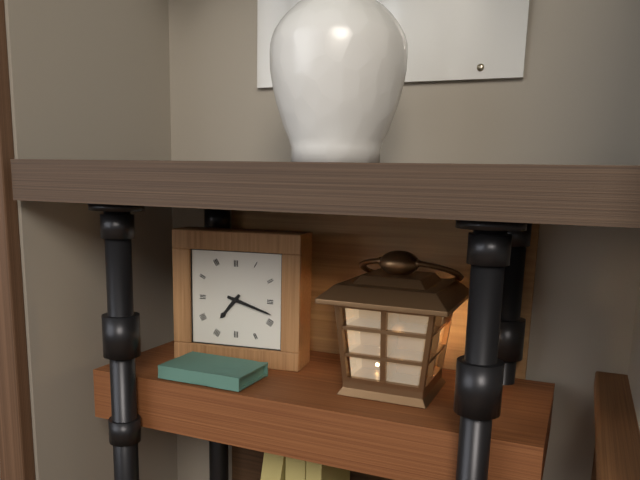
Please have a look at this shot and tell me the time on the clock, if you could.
7:18
